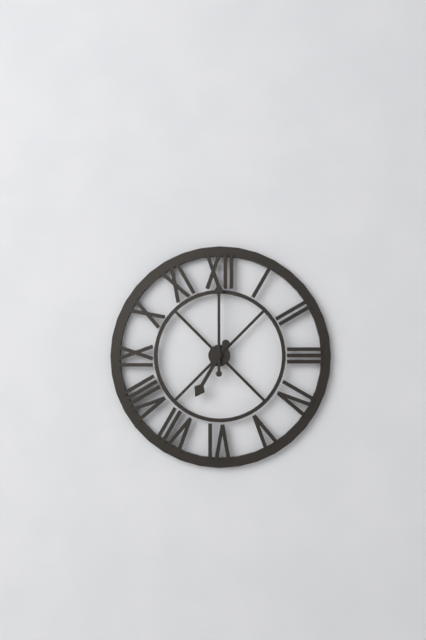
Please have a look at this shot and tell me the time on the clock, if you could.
7:00
